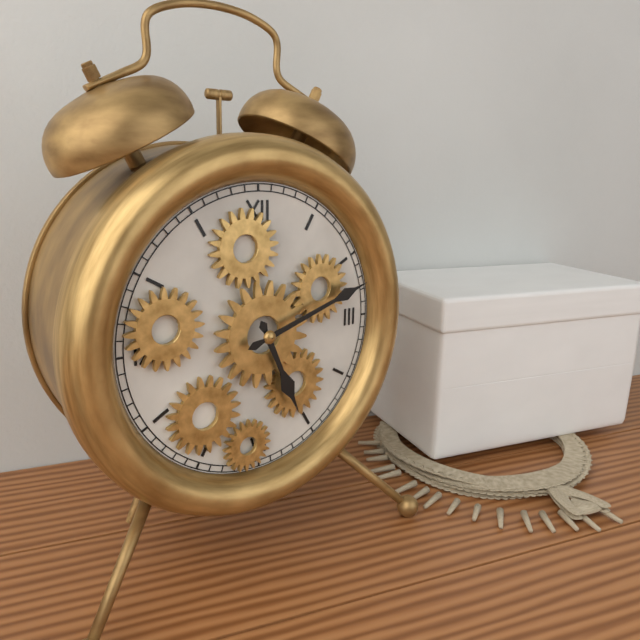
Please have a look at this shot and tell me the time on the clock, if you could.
5:12
